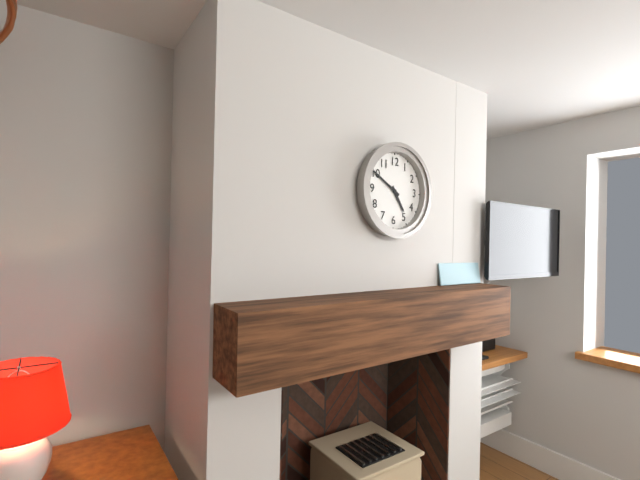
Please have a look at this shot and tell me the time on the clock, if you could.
4:50
